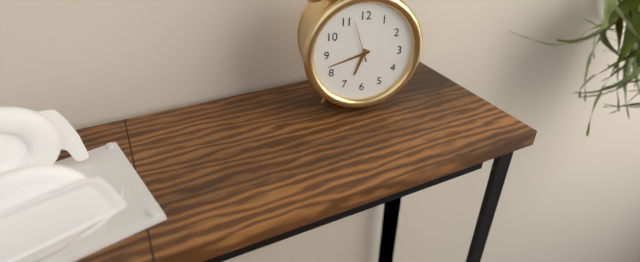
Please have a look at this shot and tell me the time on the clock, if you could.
6:42
